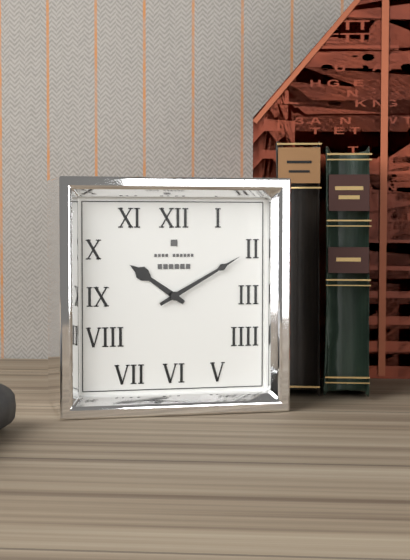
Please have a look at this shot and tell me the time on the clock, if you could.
10:10
